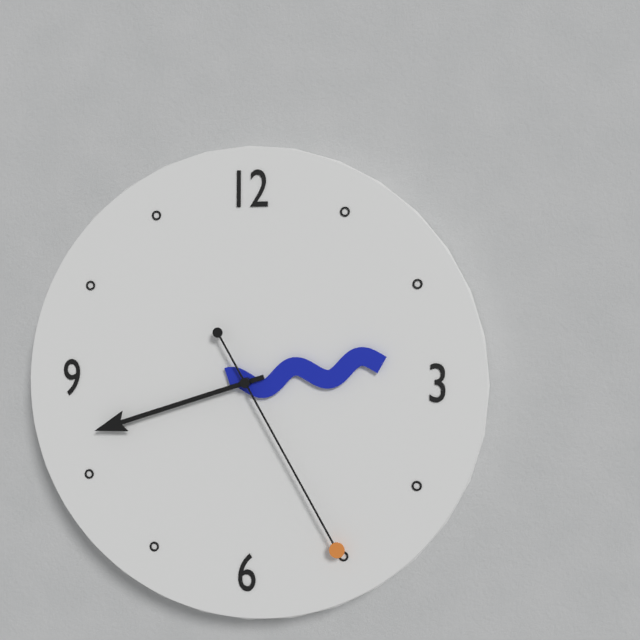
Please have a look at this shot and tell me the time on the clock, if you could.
2:42:25
